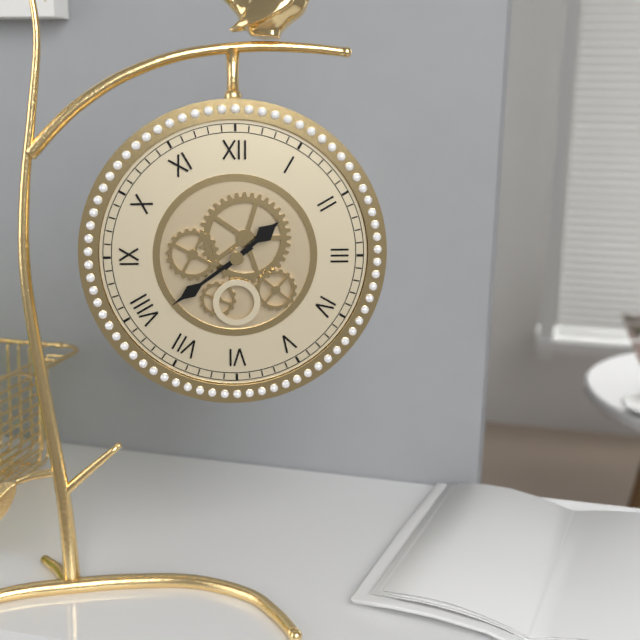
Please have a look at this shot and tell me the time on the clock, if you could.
1:39
